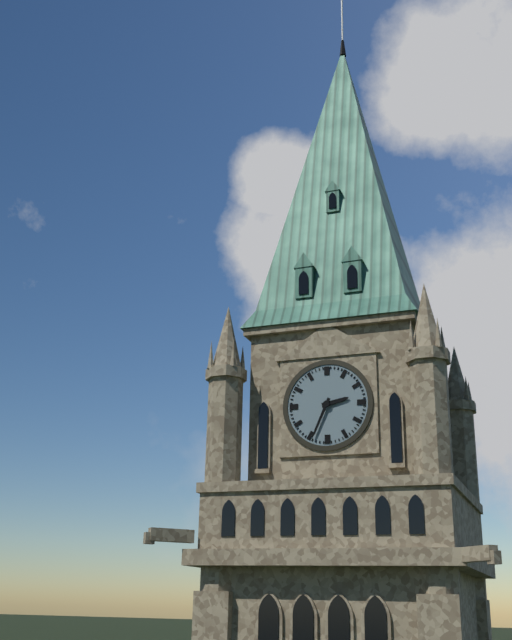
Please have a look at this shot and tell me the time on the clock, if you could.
2:34
